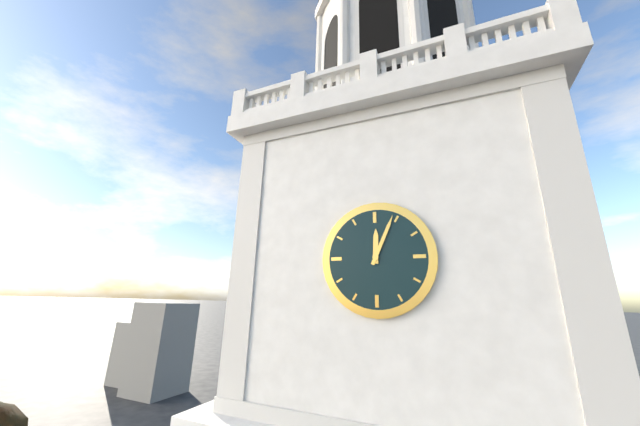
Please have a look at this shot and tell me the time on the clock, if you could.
12:04
